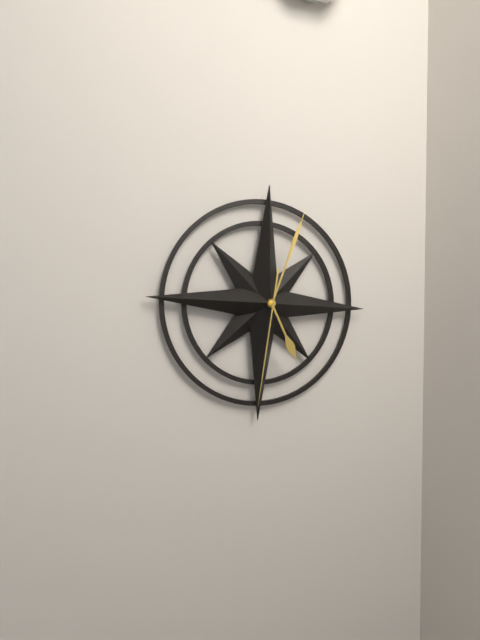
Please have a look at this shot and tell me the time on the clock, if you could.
5:03:31
